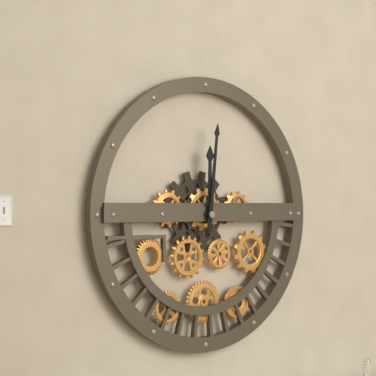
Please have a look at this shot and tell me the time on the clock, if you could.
12:01
